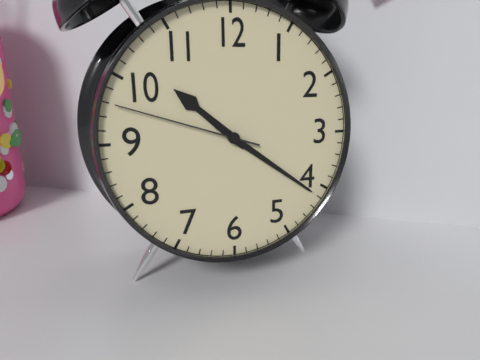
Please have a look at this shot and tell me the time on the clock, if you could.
10:21:48
